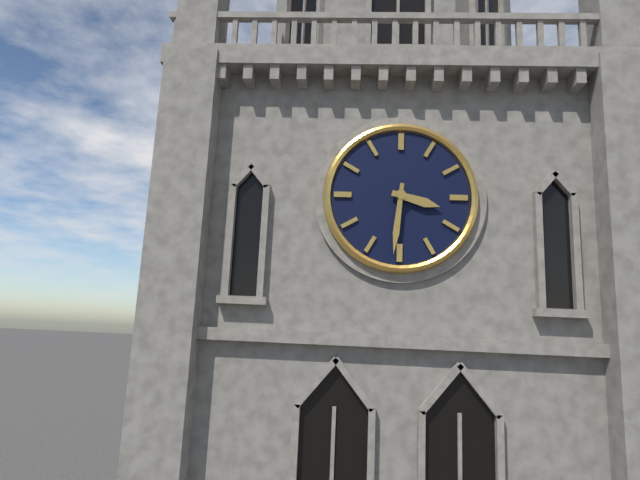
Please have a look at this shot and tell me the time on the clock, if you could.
3:31
